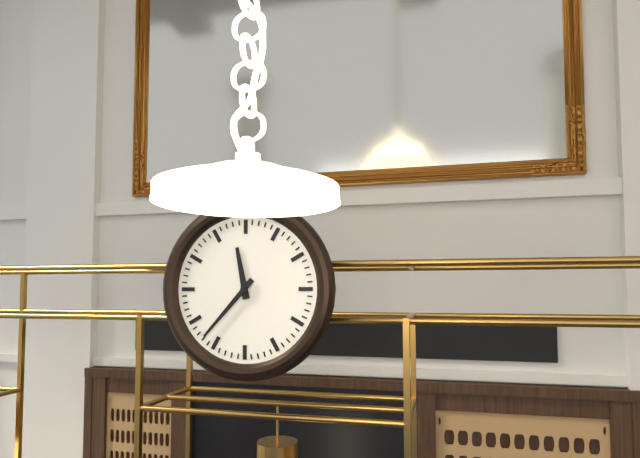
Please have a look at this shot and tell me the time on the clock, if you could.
11:37
